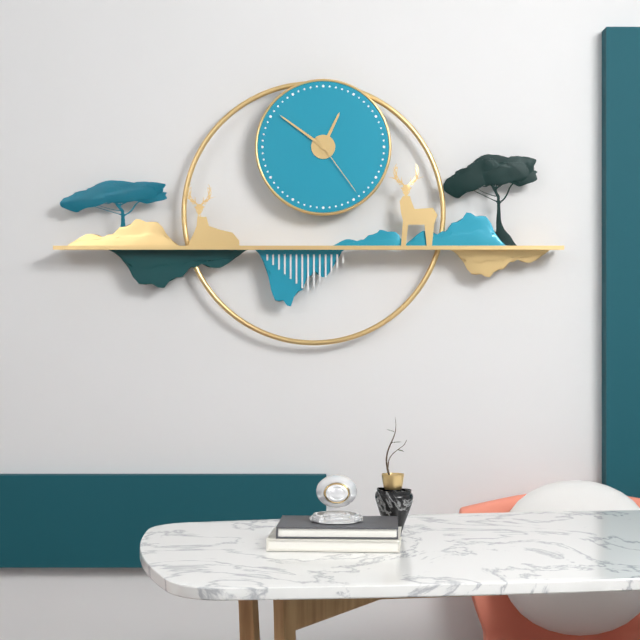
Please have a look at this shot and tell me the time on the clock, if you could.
12:51:24
